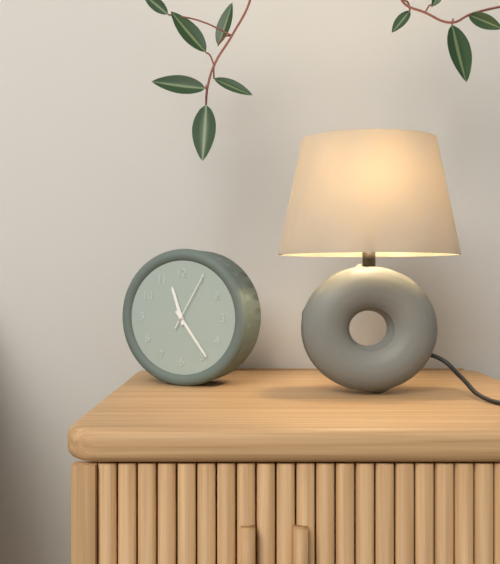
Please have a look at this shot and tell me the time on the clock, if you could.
11:24:05
